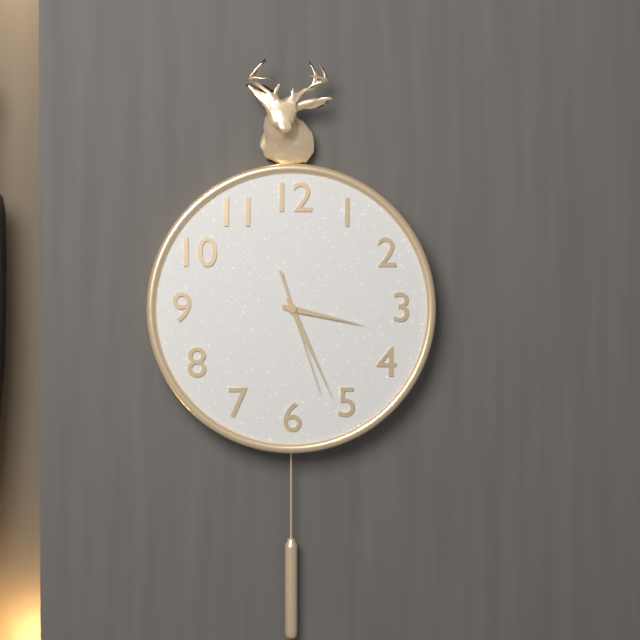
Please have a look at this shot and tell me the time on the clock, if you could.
3:26:27
